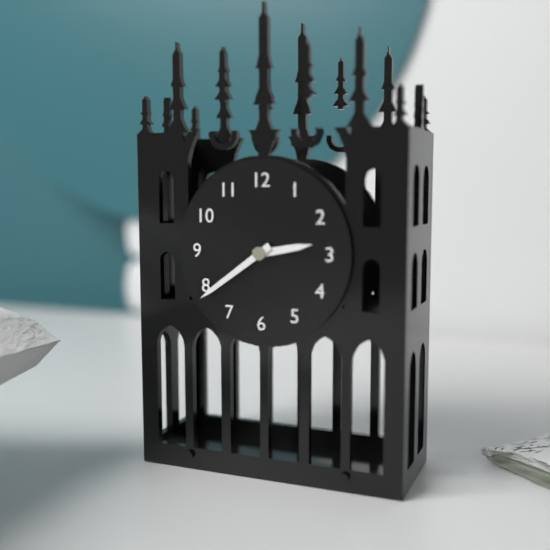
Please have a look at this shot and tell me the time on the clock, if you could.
2:39
